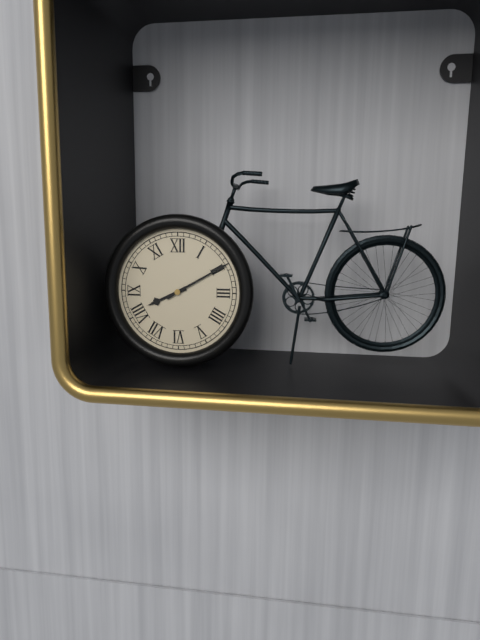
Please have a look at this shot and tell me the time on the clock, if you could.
8:10
